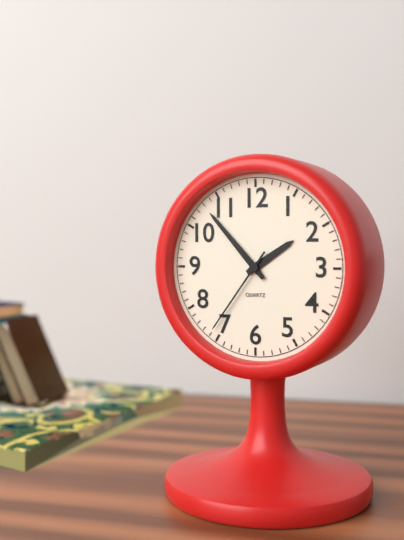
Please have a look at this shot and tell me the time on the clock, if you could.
1:53:36
